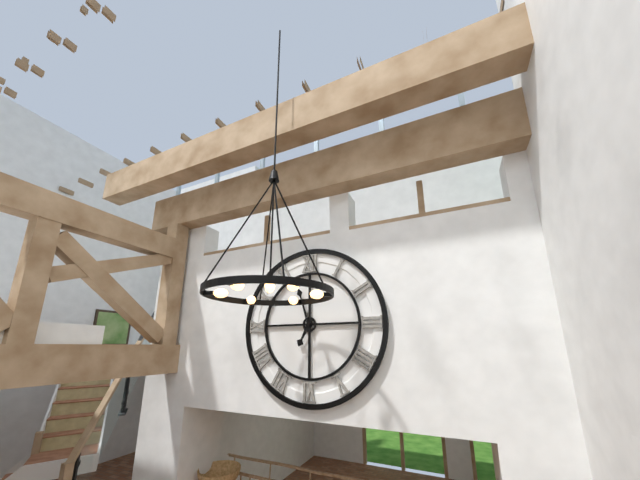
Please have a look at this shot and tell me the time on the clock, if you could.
6:57
